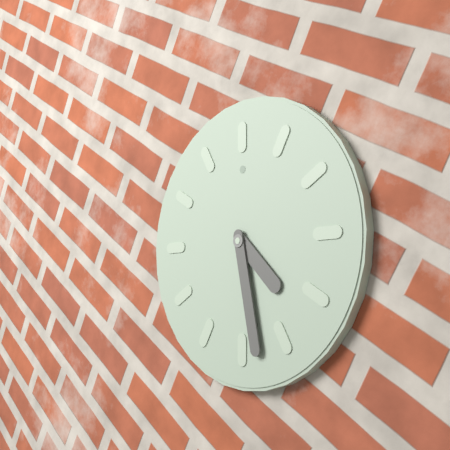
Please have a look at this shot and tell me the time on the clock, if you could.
4:28
